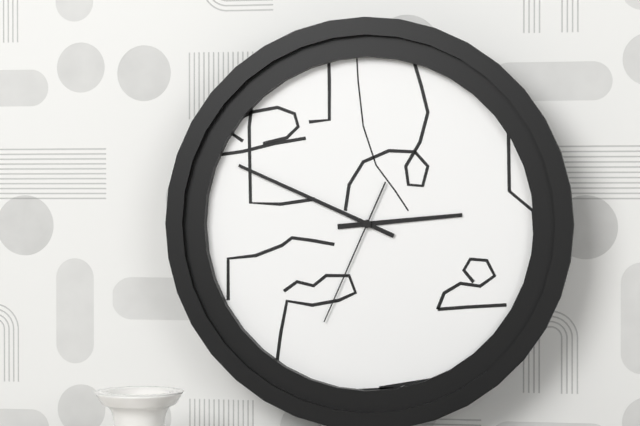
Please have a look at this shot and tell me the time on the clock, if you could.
2:49:34
